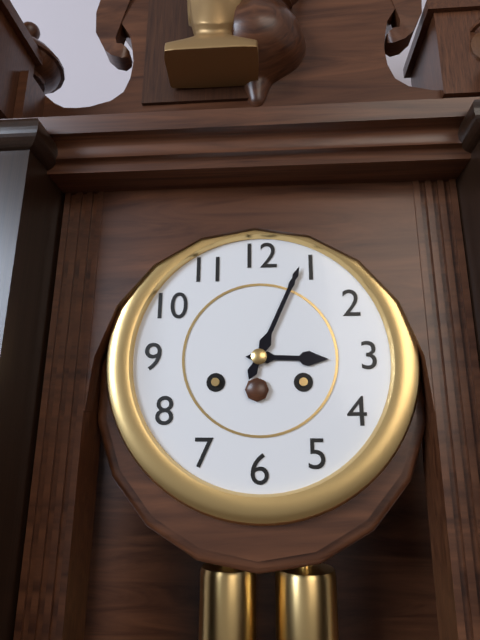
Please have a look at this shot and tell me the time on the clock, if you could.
3:04
